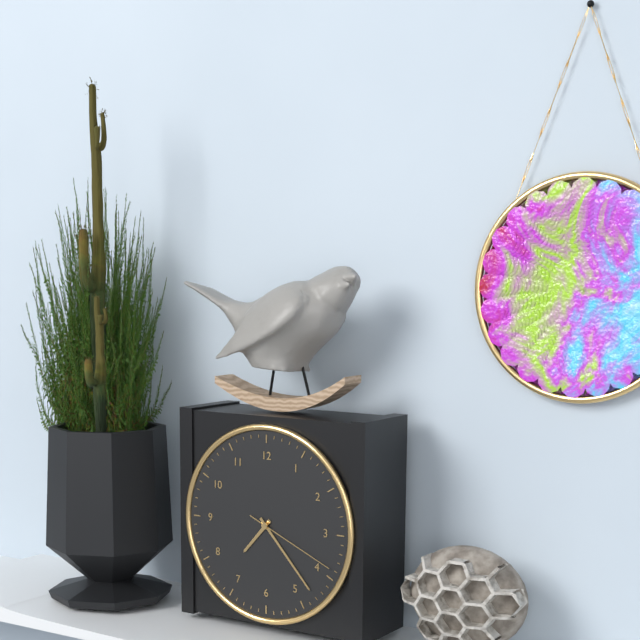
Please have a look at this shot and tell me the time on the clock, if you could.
7:23:19
